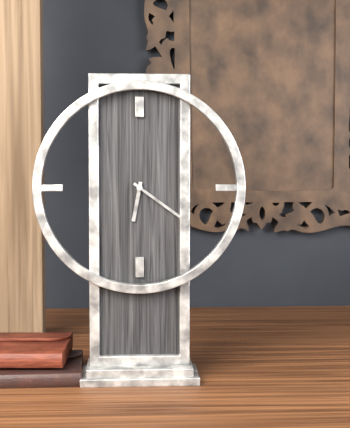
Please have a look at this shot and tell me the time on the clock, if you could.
6:21
